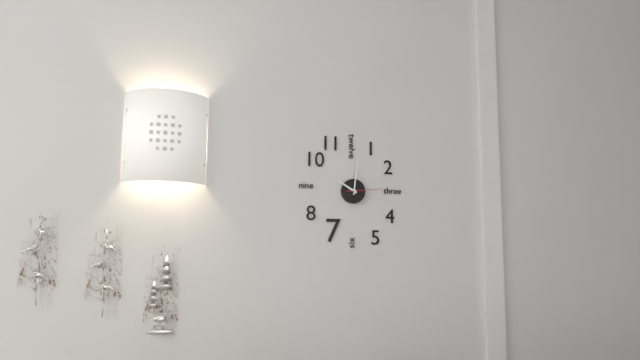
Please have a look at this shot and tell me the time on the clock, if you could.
10:01
